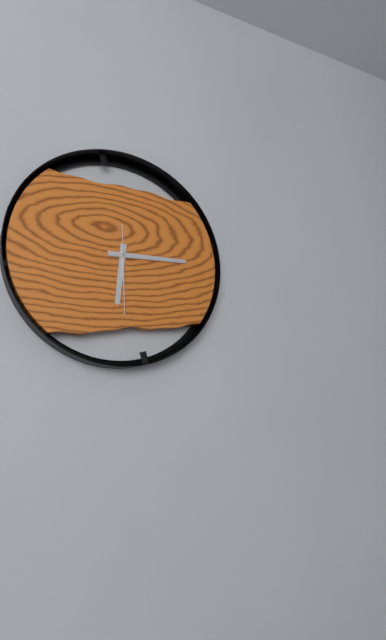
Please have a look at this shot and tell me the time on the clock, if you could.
6:15:30
